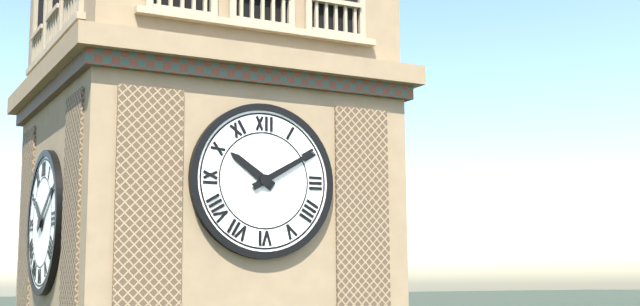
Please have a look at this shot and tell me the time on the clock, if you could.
10:10
